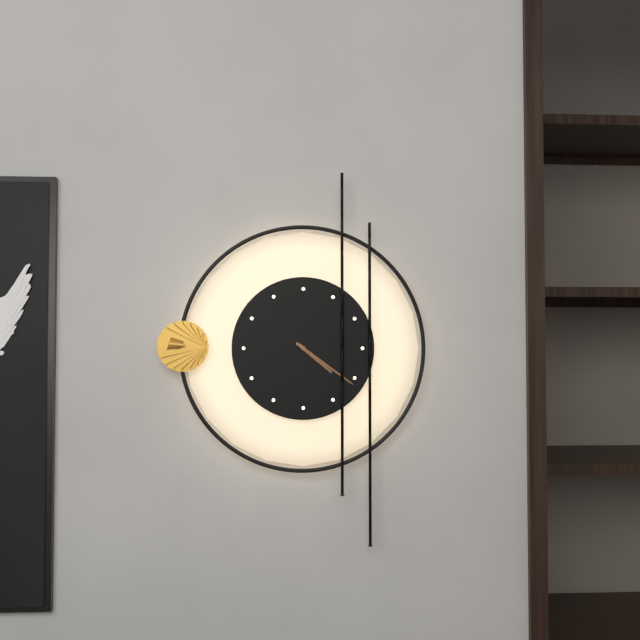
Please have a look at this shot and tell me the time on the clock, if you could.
4:21
